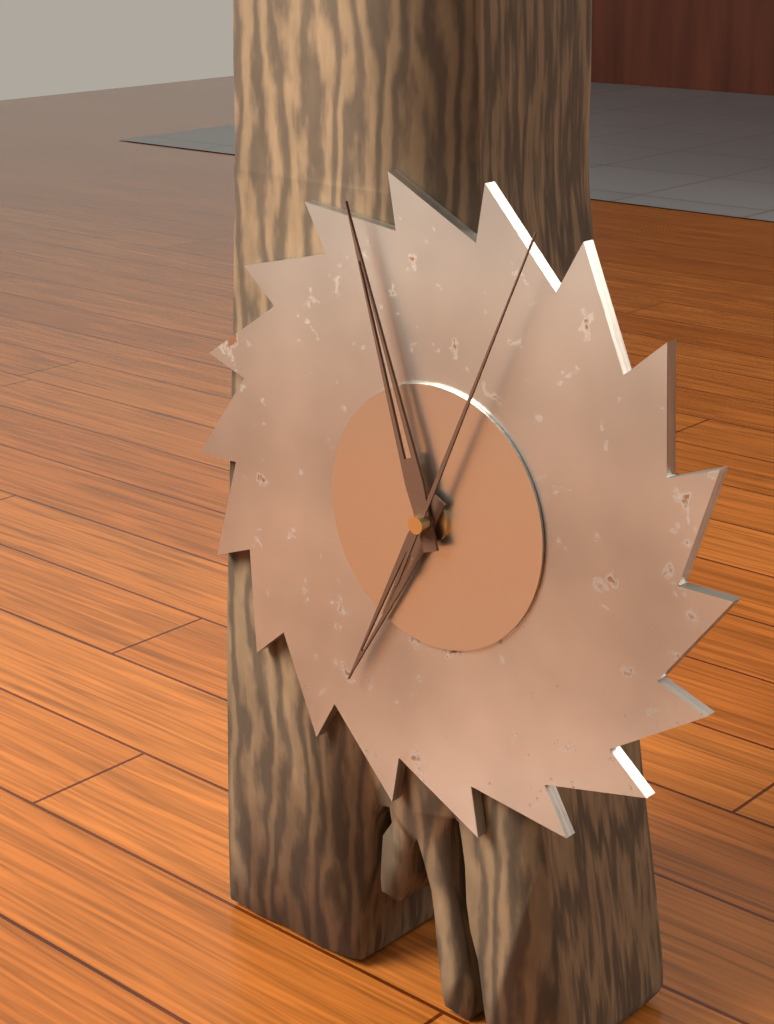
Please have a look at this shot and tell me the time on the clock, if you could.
6:57:04
